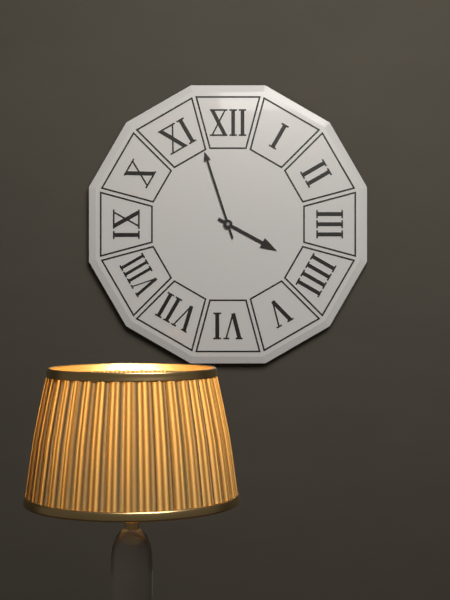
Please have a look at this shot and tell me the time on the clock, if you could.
3:57
